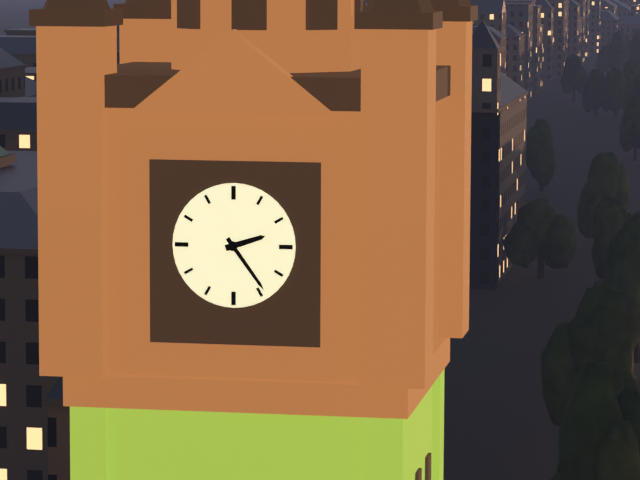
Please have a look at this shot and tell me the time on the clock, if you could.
2:24
